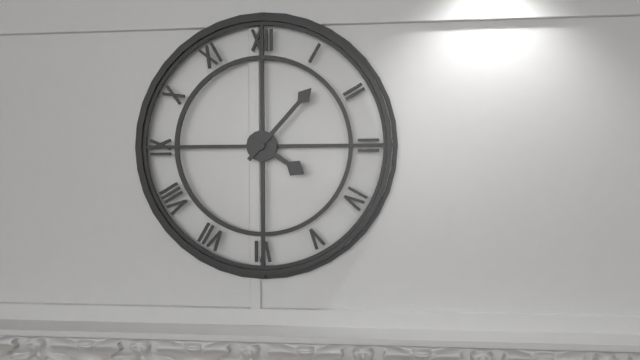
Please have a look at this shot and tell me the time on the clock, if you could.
4:07
